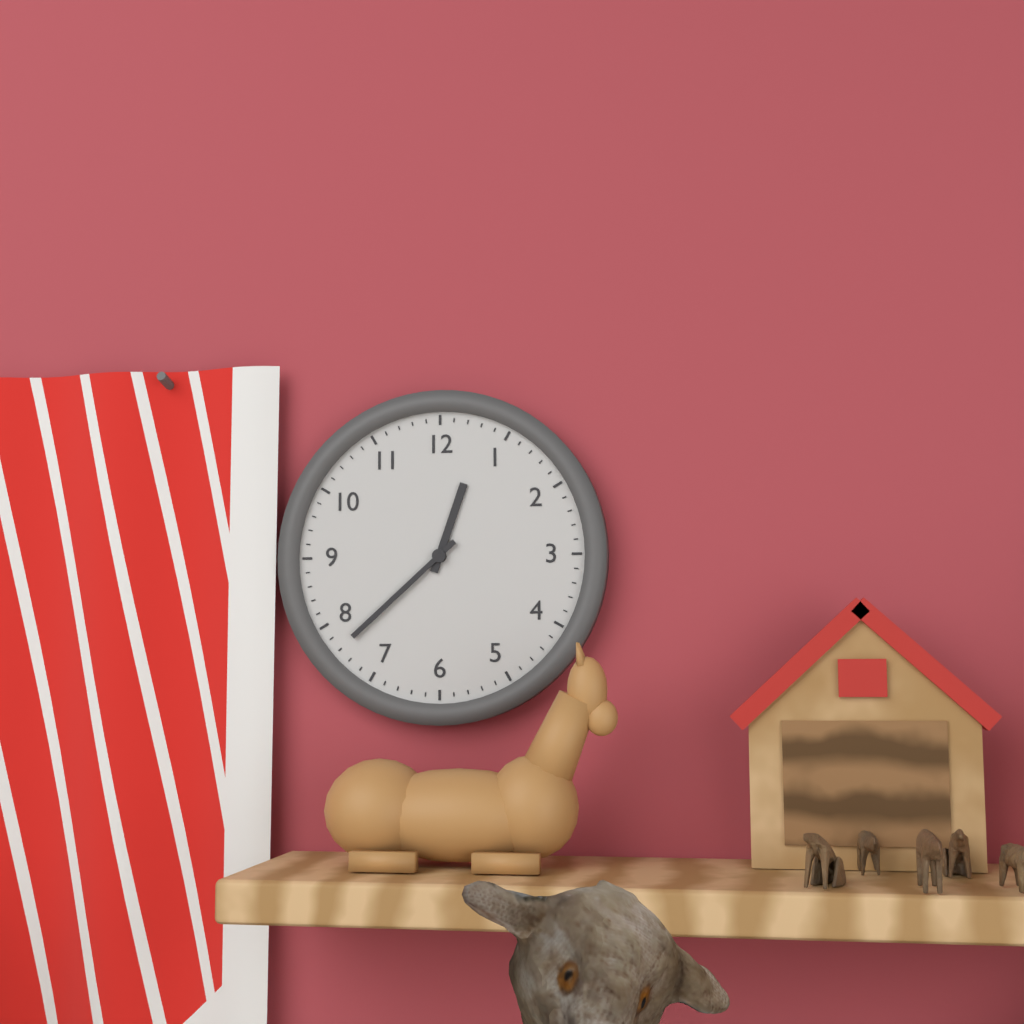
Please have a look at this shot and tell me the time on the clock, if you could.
12:38
